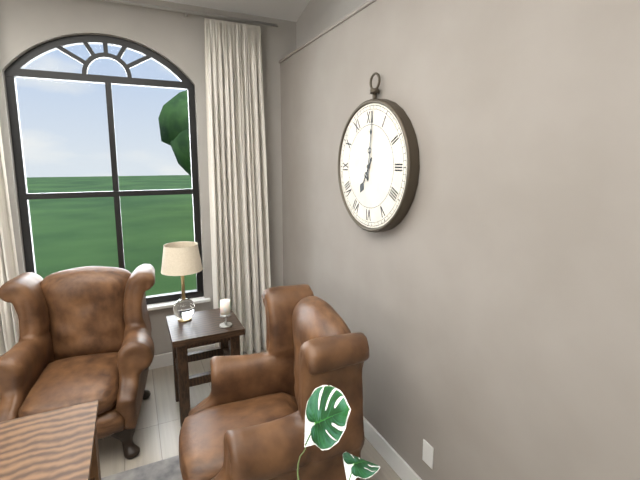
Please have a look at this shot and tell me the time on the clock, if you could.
7:01
